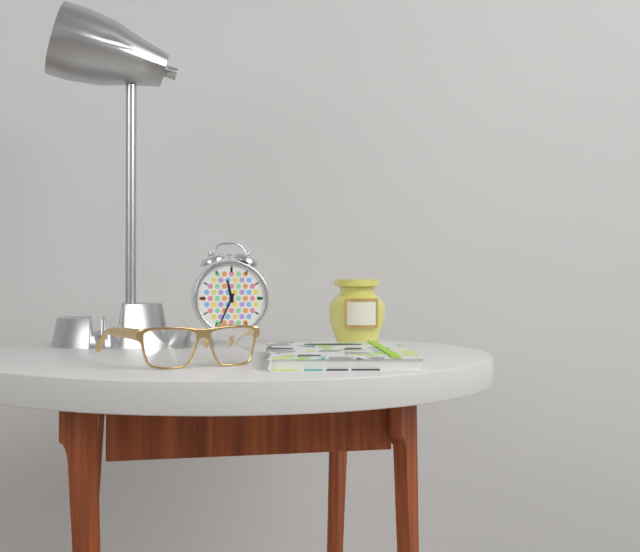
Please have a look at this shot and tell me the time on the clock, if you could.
11:34
